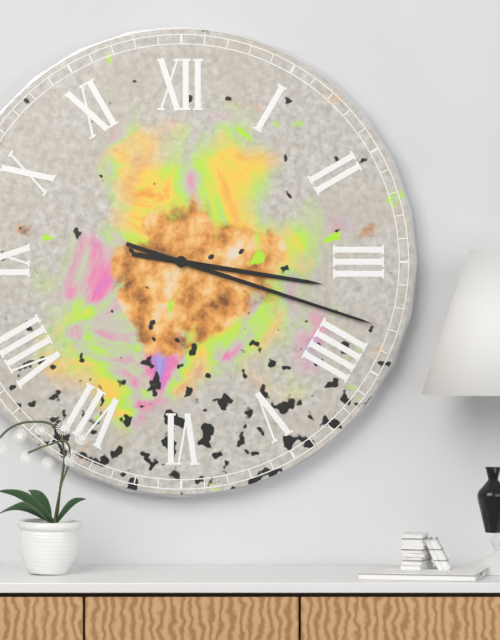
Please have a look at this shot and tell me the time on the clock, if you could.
3:18
